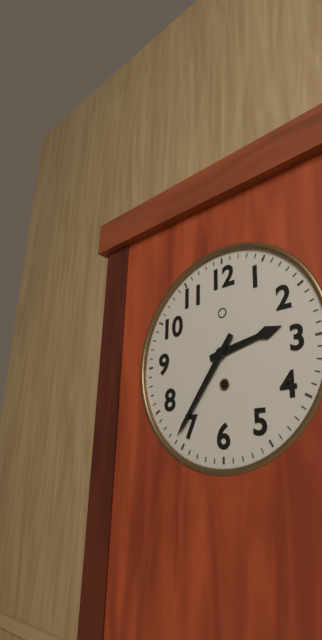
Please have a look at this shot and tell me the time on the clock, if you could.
2:36
